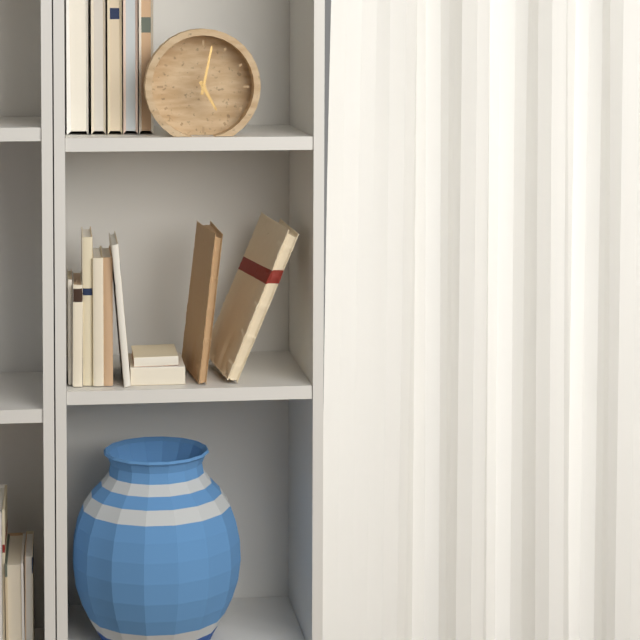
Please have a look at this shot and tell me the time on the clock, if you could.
5:02
